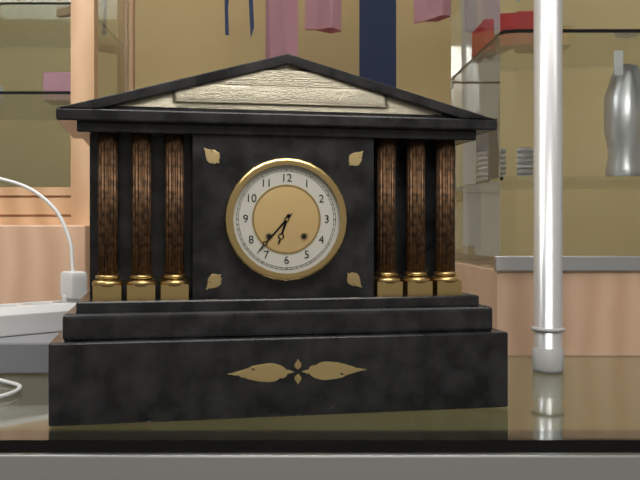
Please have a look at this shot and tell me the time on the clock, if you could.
6:37
